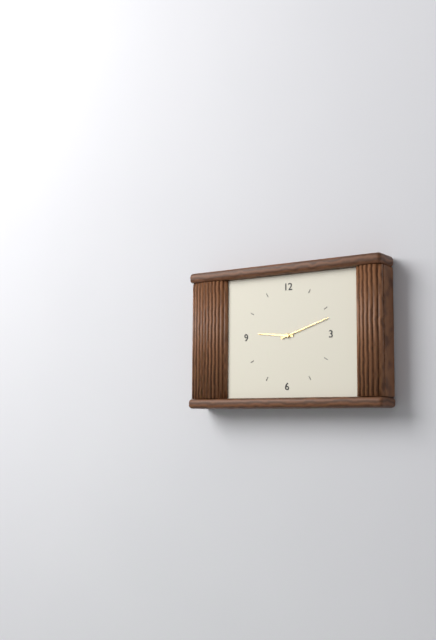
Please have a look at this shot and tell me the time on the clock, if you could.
9:12
